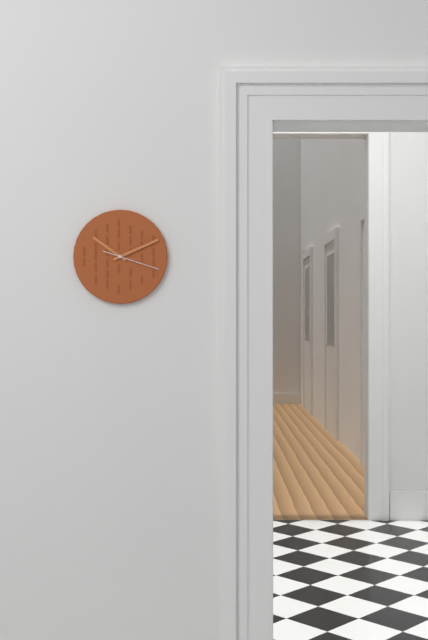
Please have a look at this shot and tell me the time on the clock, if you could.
10:11:18
